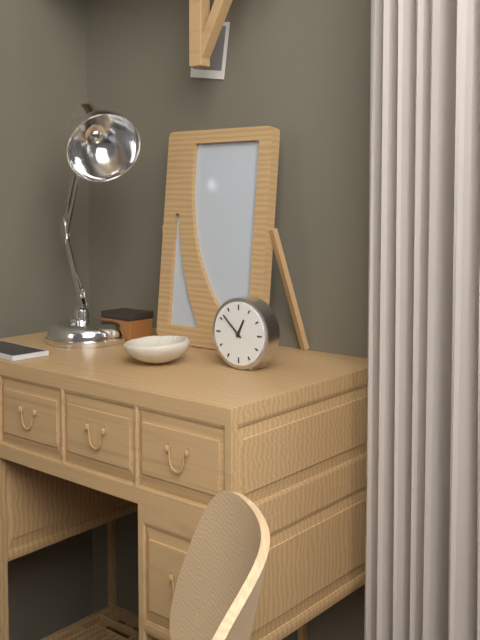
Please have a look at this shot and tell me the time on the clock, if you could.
12:52
